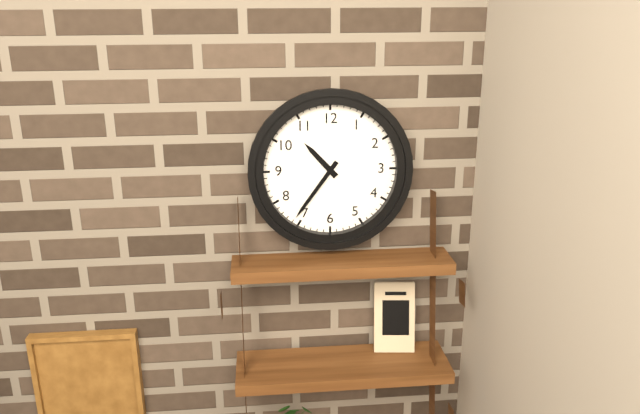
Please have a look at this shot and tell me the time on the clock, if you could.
10:36
